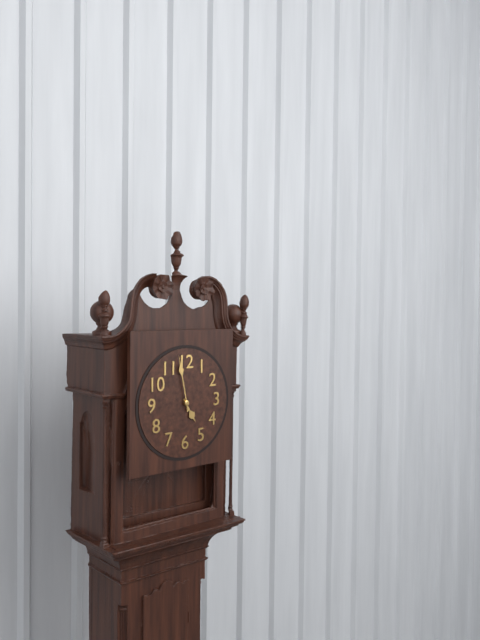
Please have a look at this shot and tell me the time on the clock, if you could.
4:58
